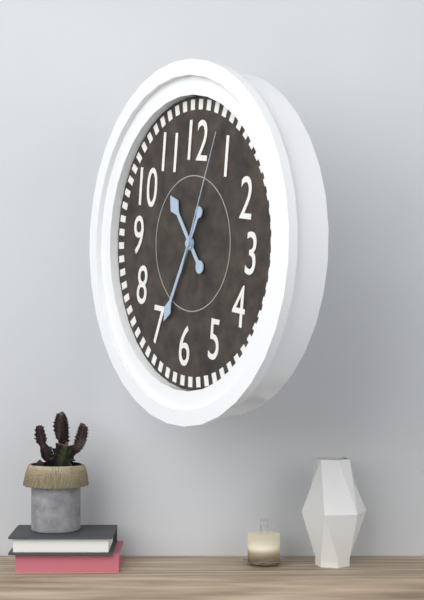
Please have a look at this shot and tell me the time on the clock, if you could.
10:34:03
